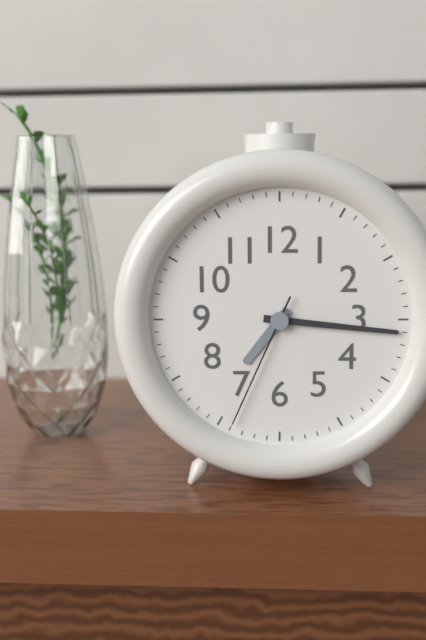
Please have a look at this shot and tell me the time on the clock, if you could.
7:16:34
